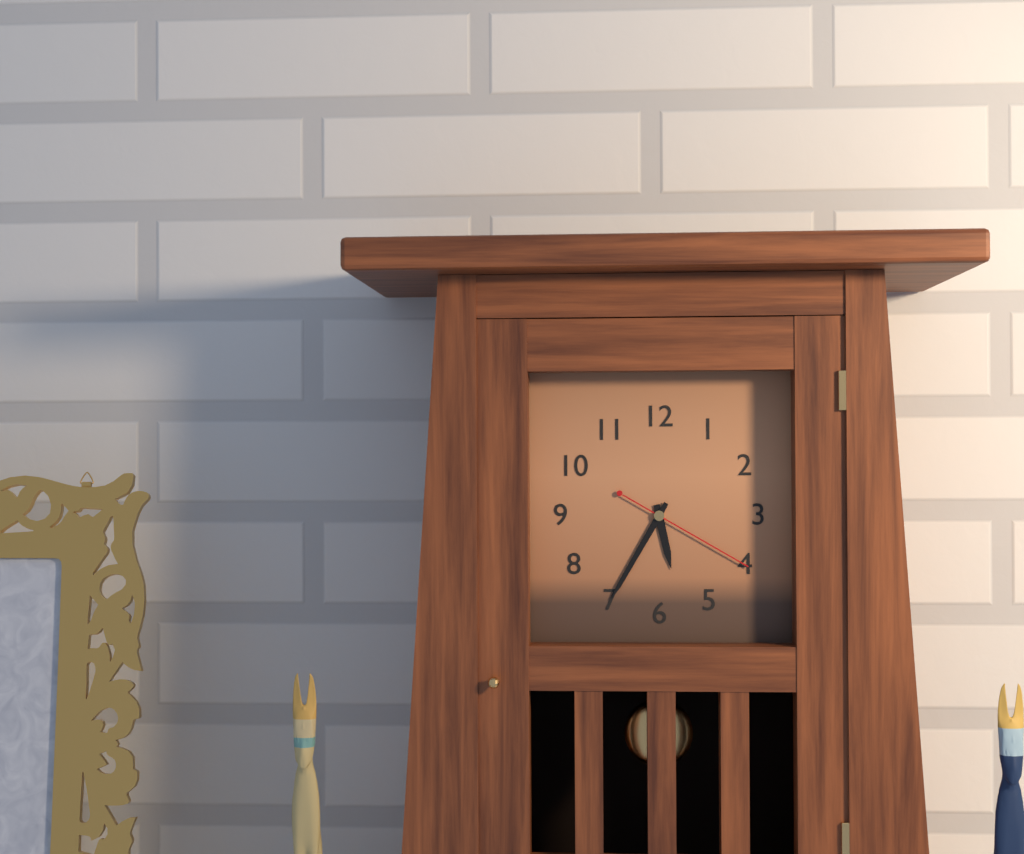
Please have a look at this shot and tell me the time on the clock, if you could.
5:35:20
